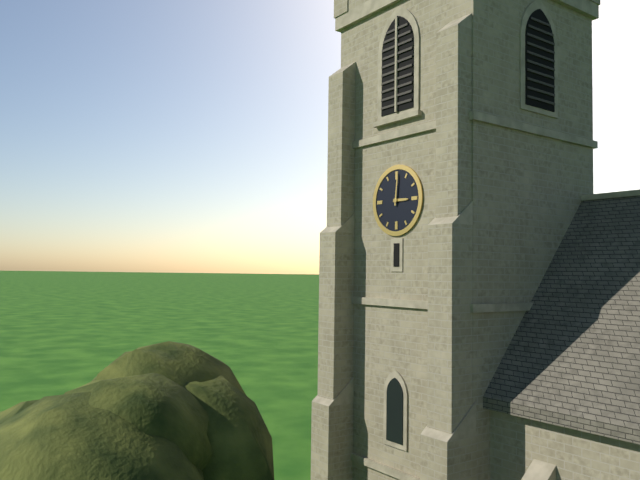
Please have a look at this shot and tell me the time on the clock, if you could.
3:01
